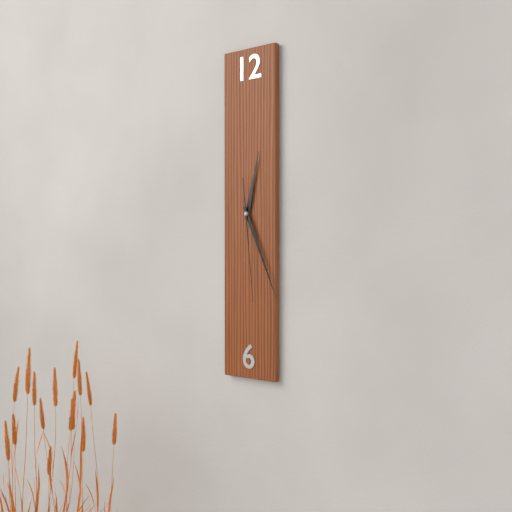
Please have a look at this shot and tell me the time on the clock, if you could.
12:26:29
